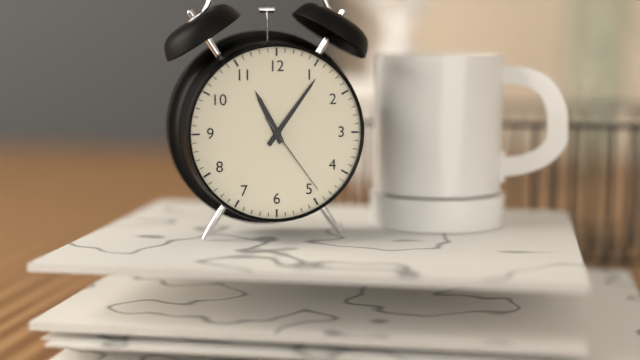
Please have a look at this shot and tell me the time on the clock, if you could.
11:06:24
